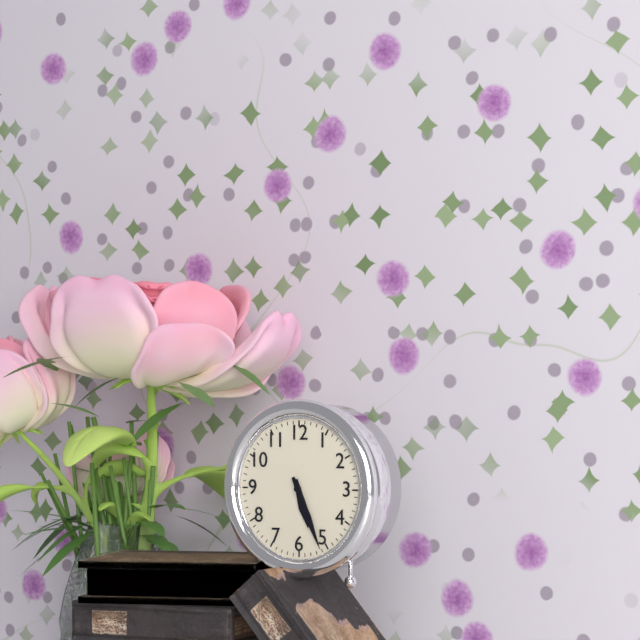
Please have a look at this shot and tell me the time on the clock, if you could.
5:26
